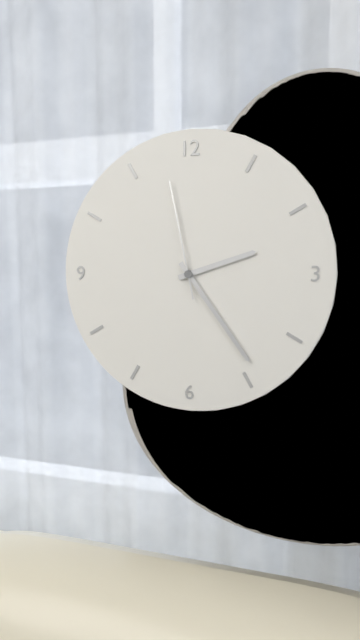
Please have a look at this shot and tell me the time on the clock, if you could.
2:24:58
